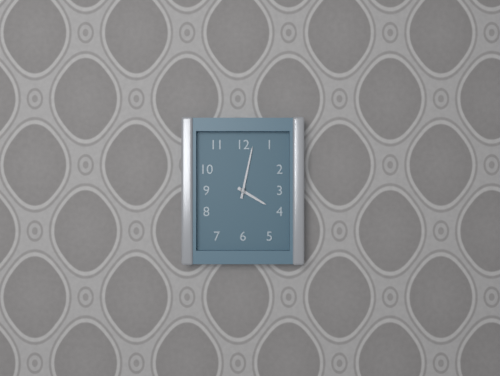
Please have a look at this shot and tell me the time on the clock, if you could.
4:02
